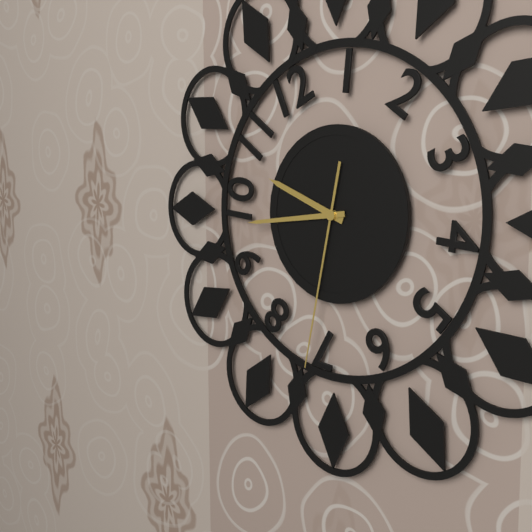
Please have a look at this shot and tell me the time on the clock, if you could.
9:44:32
